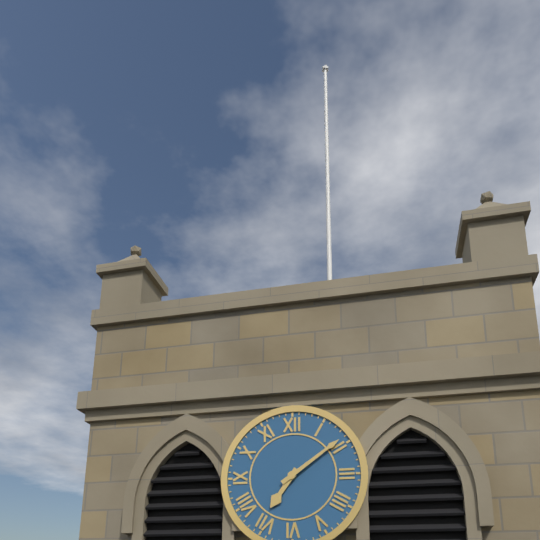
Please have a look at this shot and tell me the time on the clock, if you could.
7:09
